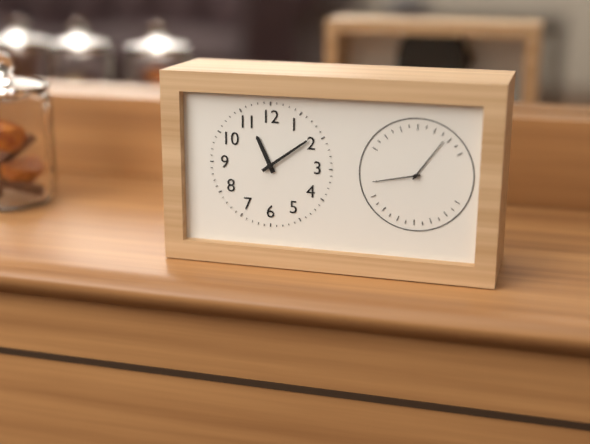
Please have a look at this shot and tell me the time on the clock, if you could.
11:09
